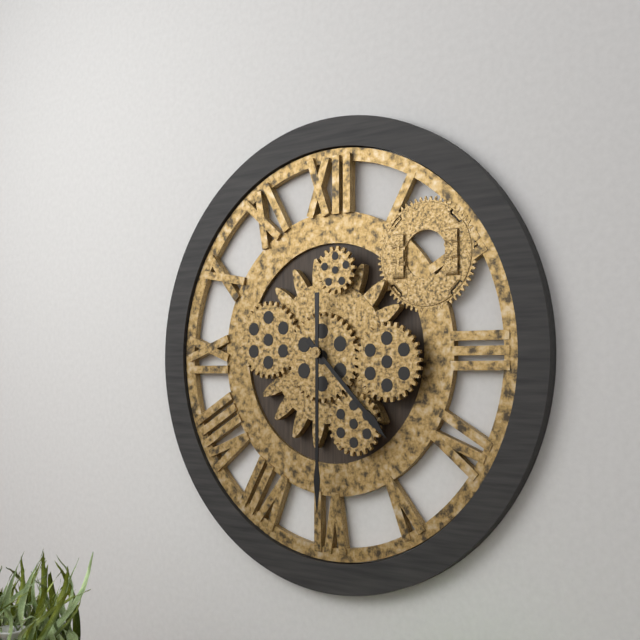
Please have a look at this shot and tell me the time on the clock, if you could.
4:30
